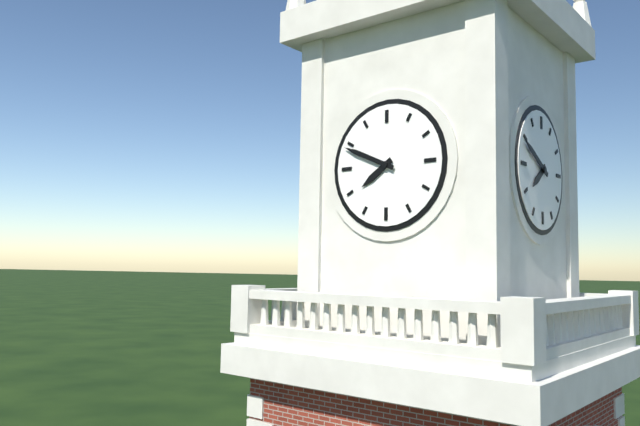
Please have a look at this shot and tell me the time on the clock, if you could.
7:49
